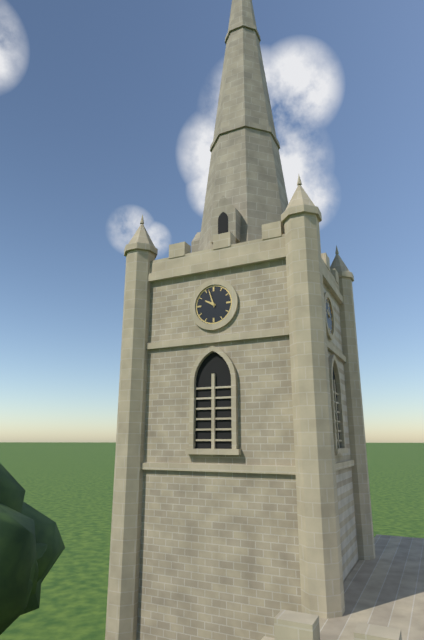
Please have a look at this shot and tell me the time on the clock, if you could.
9:57
